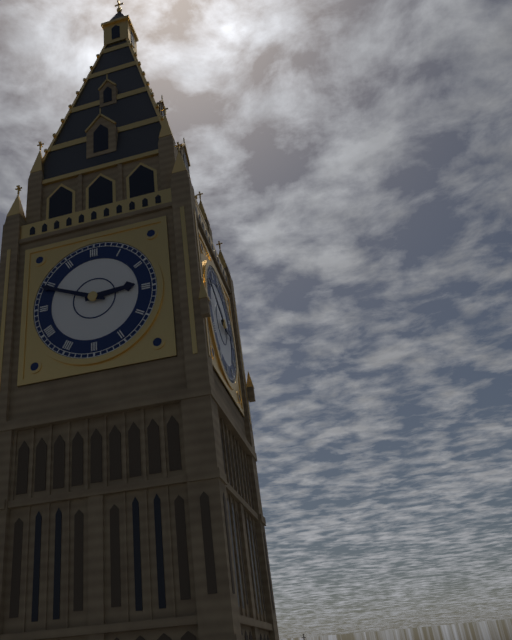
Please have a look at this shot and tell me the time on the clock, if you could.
2:49
